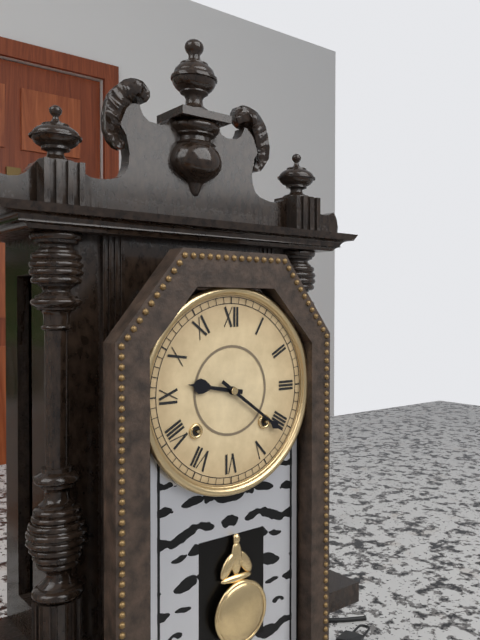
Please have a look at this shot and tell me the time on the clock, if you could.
9:21
